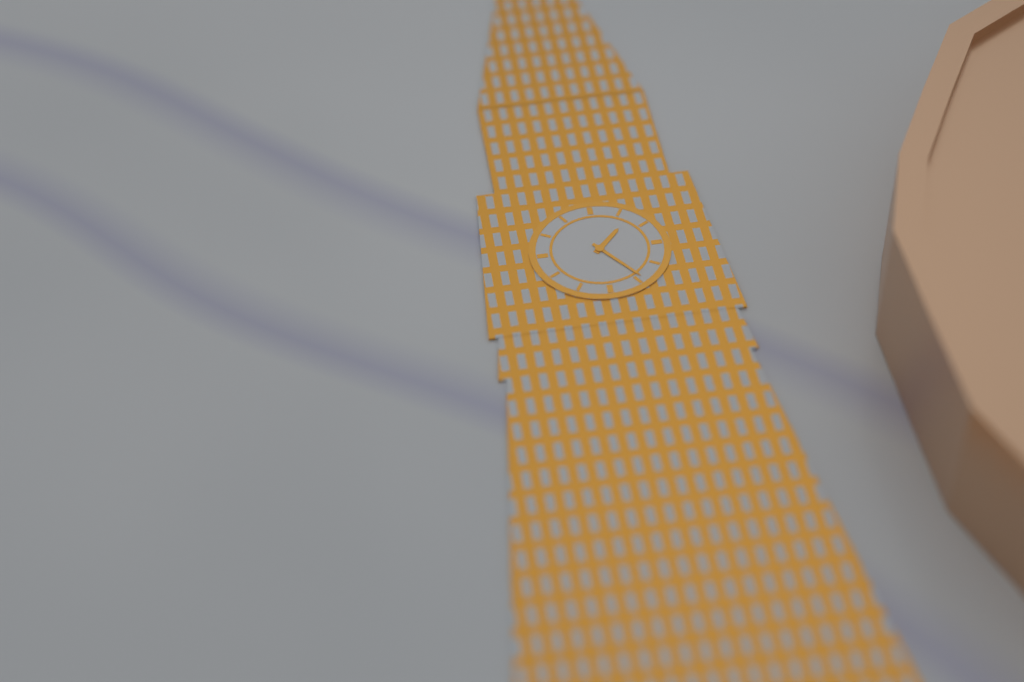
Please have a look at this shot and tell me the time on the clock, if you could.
1:24
